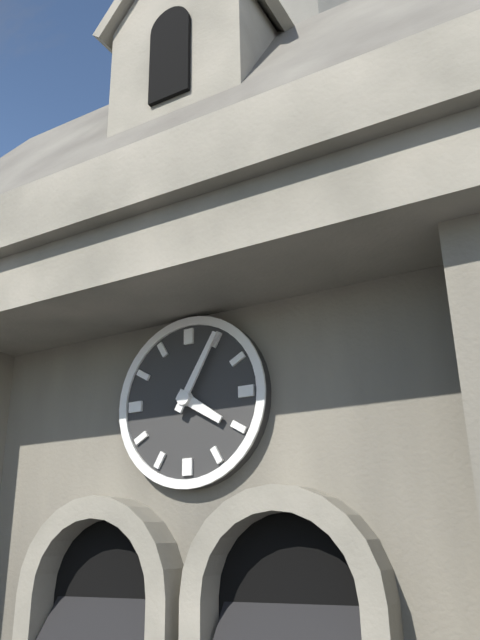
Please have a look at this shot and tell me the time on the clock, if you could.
4:05
